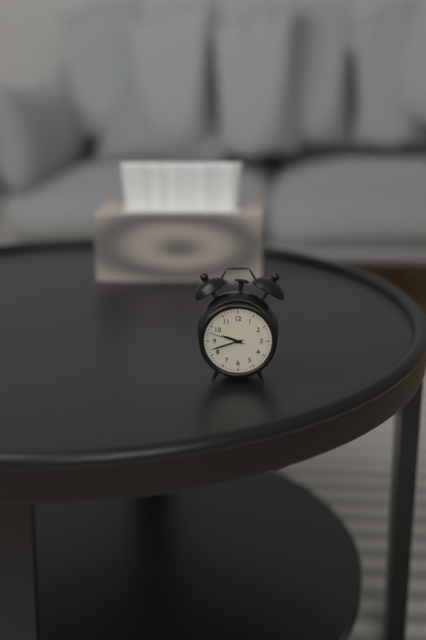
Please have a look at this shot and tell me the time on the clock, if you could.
9:42
